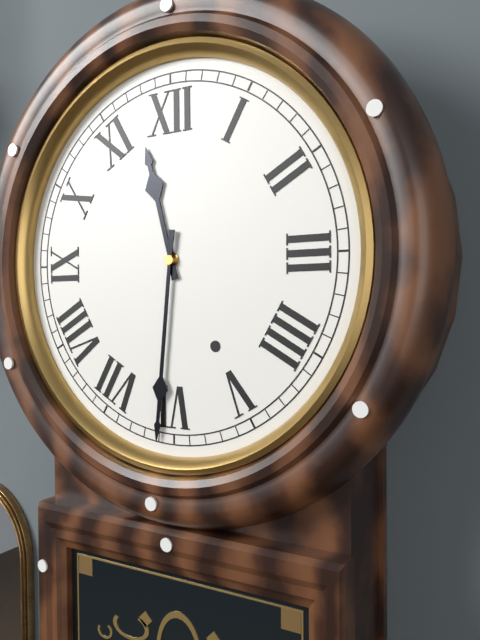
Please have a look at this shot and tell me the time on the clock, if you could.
11:31
